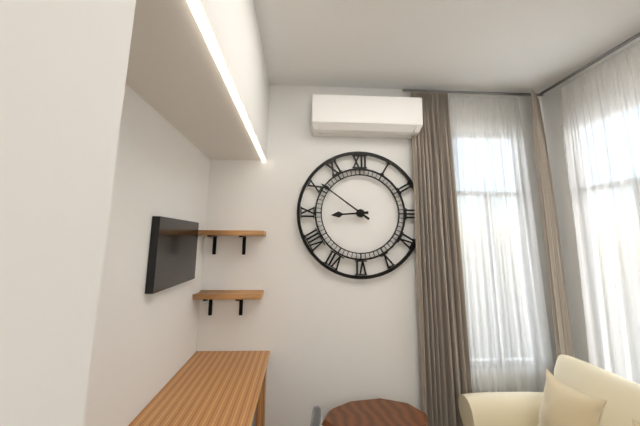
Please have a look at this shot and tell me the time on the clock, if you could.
8:51
